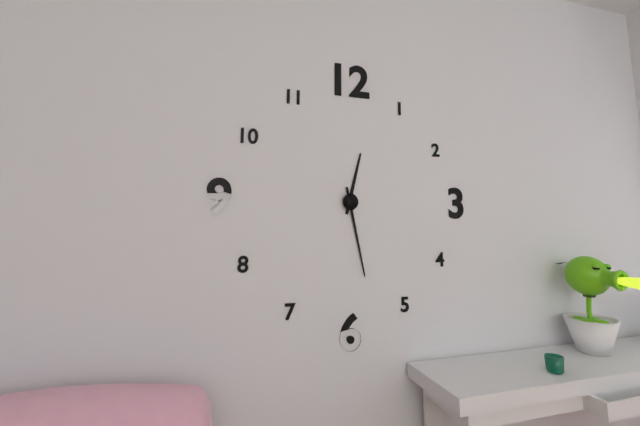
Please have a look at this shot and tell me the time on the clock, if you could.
12:28
